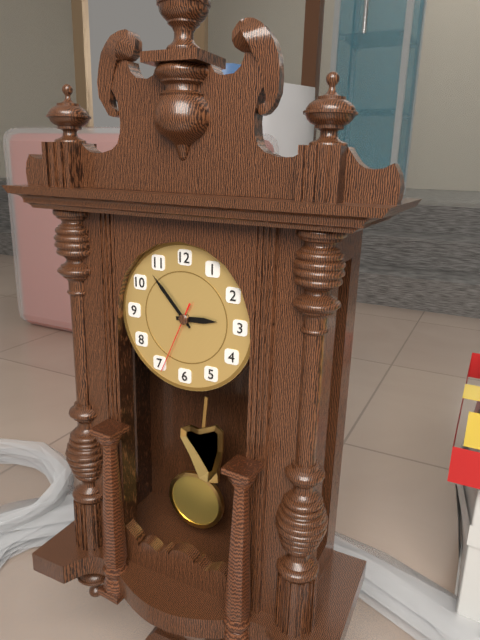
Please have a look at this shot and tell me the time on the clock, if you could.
2:53:34
